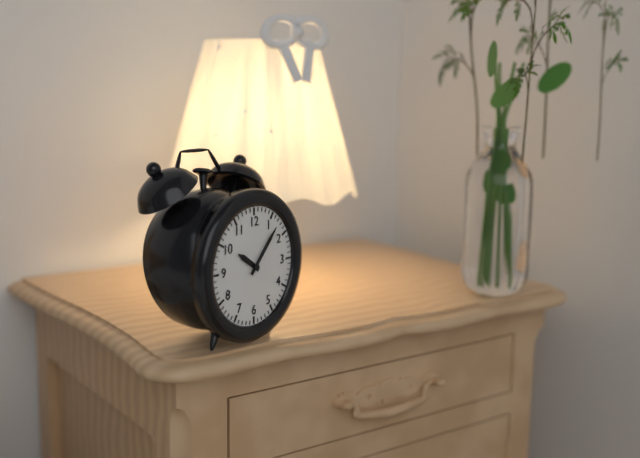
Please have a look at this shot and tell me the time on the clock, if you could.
10:07
